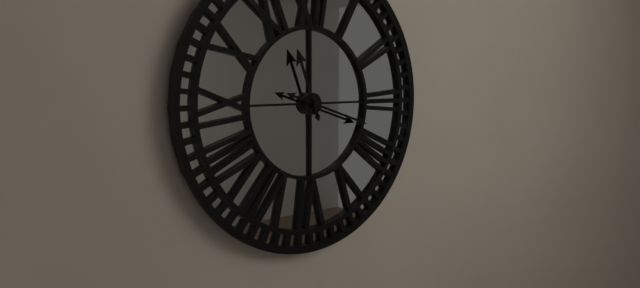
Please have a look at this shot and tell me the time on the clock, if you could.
11:18
